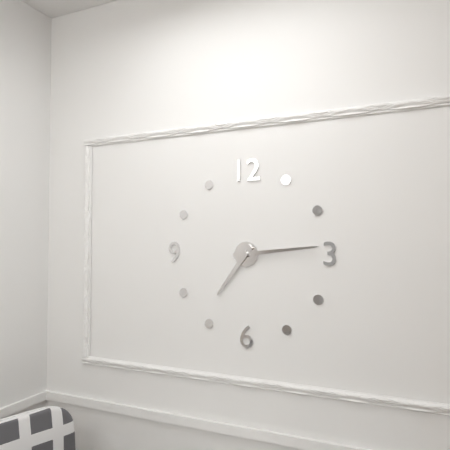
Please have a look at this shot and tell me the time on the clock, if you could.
7:14
